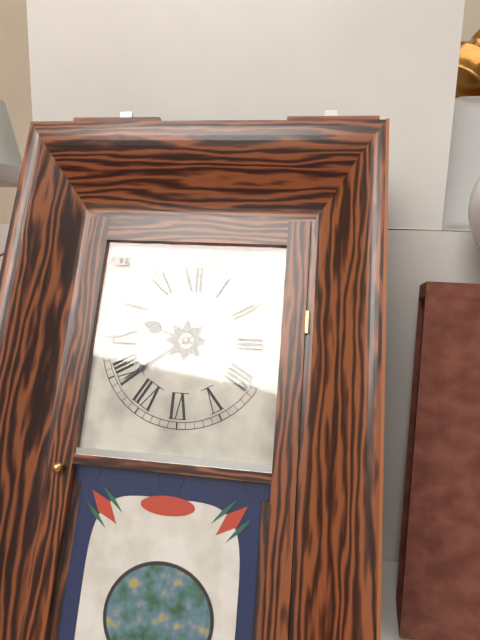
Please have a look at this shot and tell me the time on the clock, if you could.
9:39
